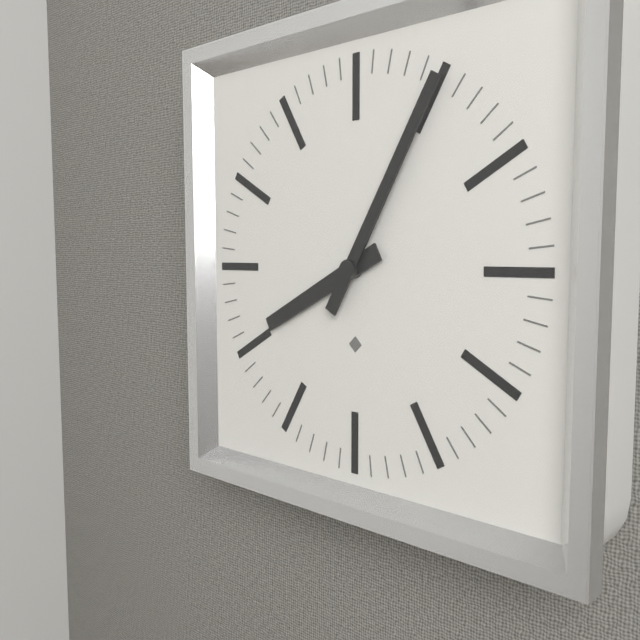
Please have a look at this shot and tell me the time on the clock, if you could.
8:05
